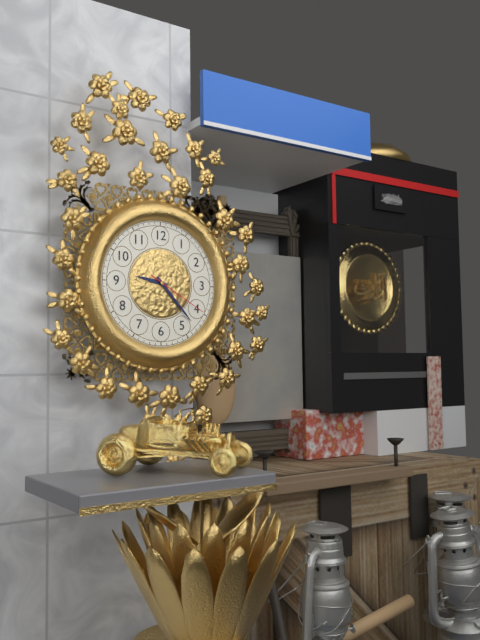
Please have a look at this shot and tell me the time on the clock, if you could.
9:23:20
